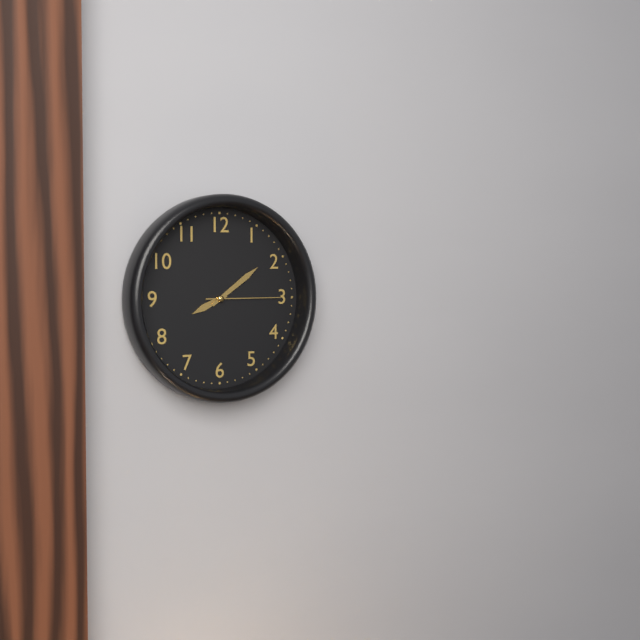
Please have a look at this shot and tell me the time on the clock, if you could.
8:09:15
